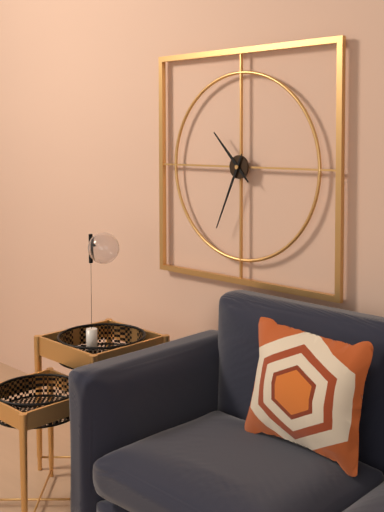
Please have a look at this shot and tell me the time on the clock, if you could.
10:34
